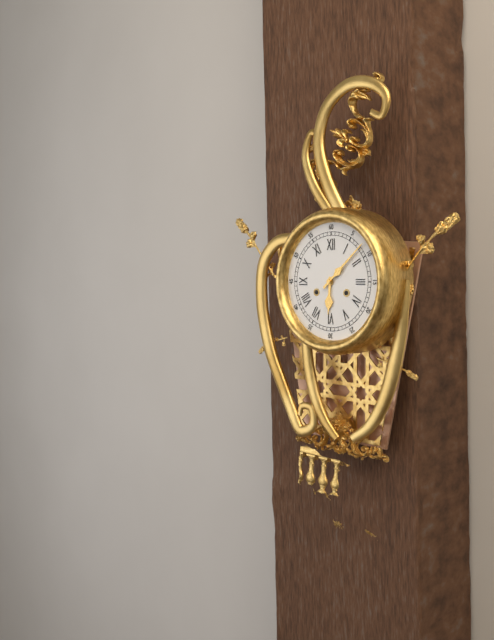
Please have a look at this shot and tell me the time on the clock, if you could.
6:08
